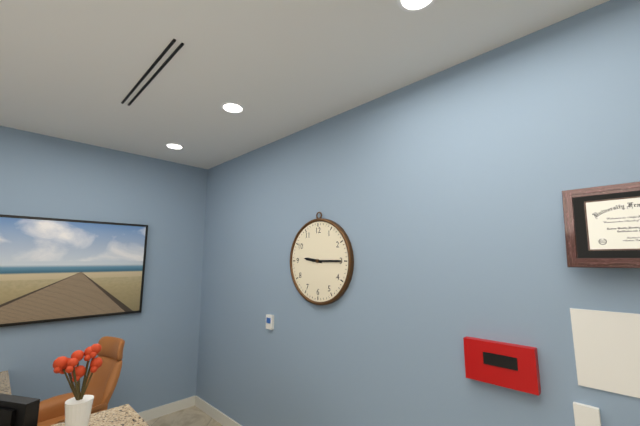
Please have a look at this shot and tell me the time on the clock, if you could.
9:15
